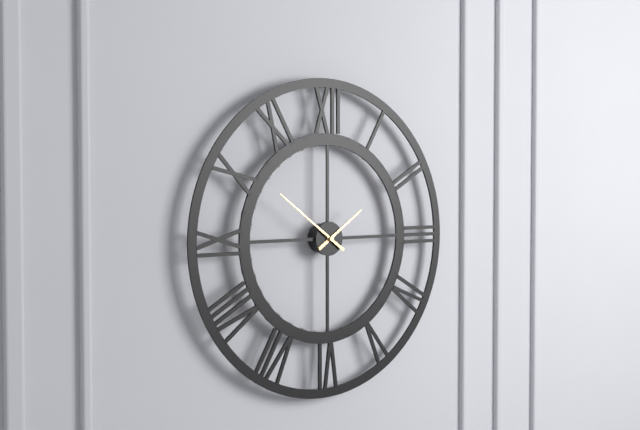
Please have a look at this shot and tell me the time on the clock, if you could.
1:51
